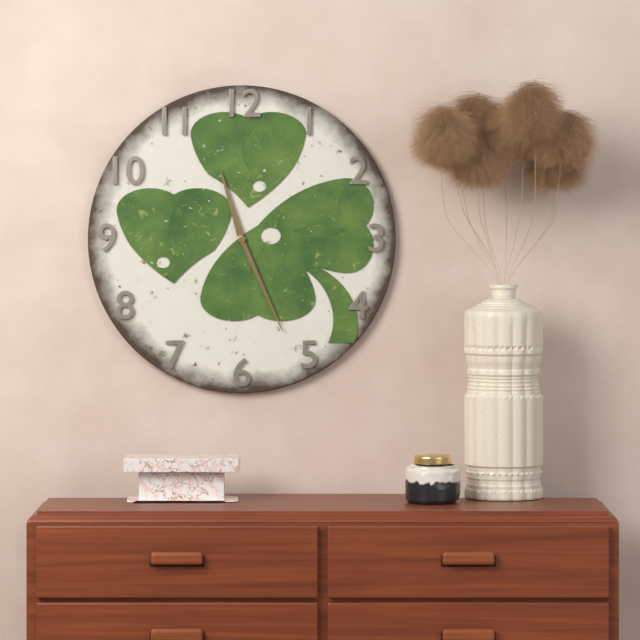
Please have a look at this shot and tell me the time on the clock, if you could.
11:26
